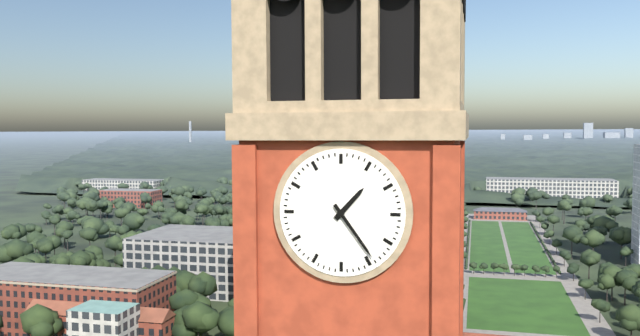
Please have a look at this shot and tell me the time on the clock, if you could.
1:24
